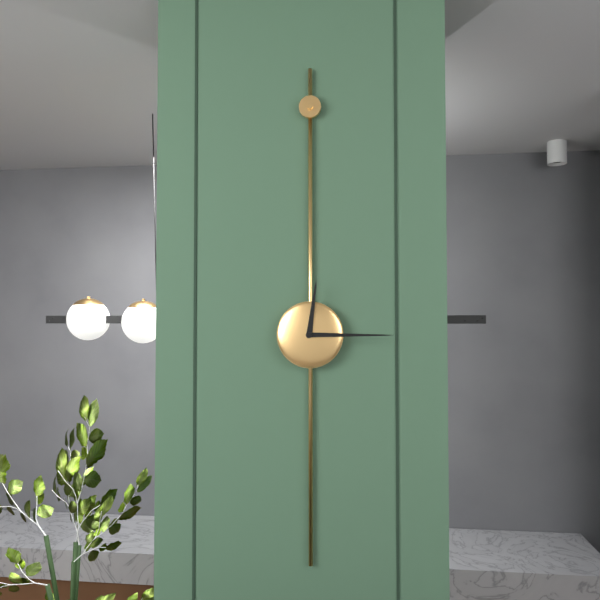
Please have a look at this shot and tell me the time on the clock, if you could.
12:15
